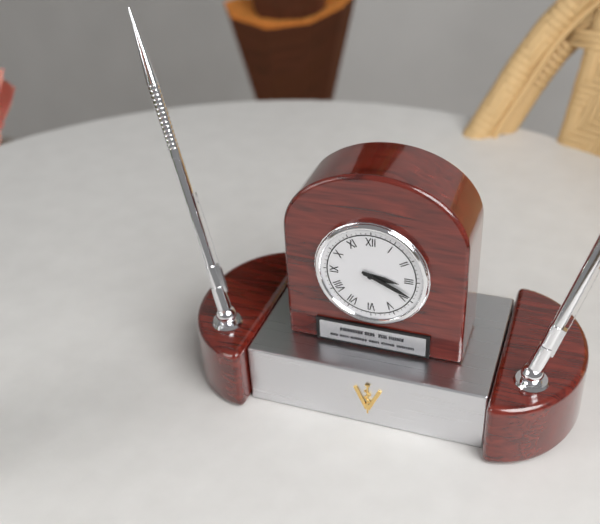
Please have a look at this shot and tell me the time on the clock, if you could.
3:19
